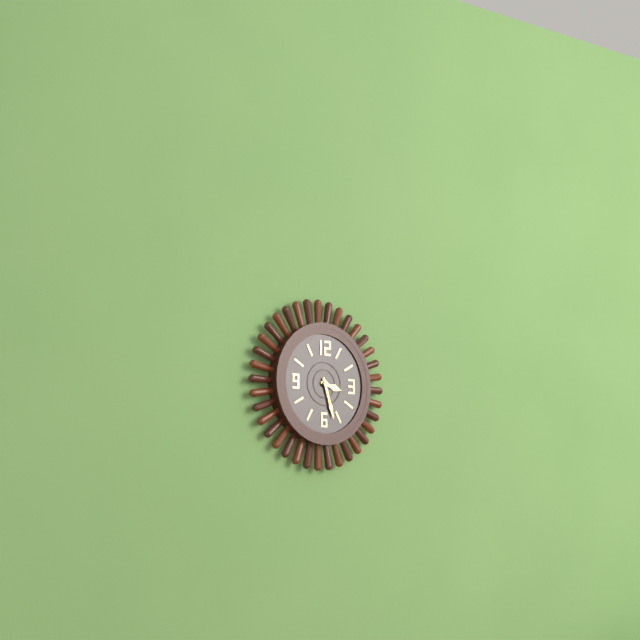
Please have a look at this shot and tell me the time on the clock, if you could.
3:27
